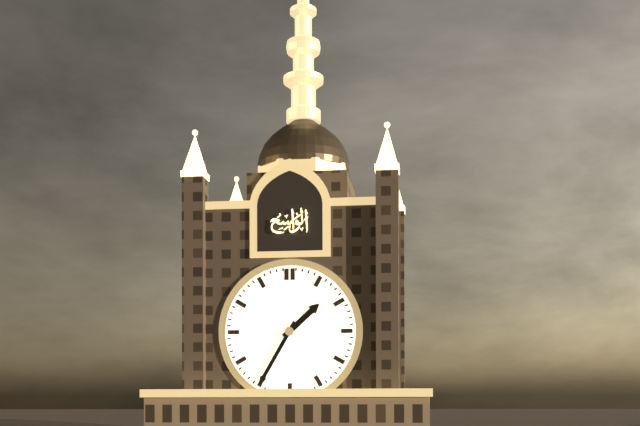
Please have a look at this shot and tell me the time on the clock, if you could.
1:35
